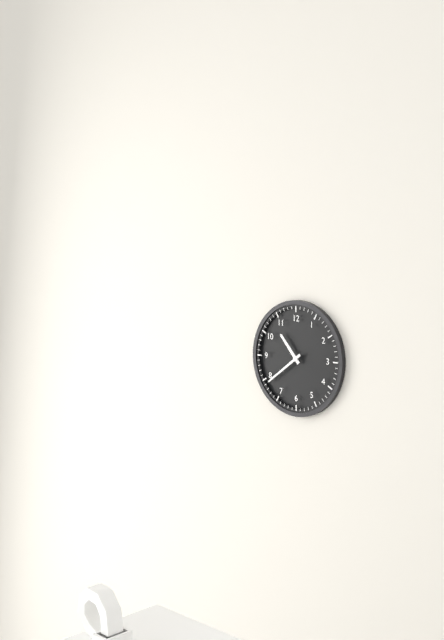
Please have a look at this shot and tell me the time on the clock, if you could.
10:39
